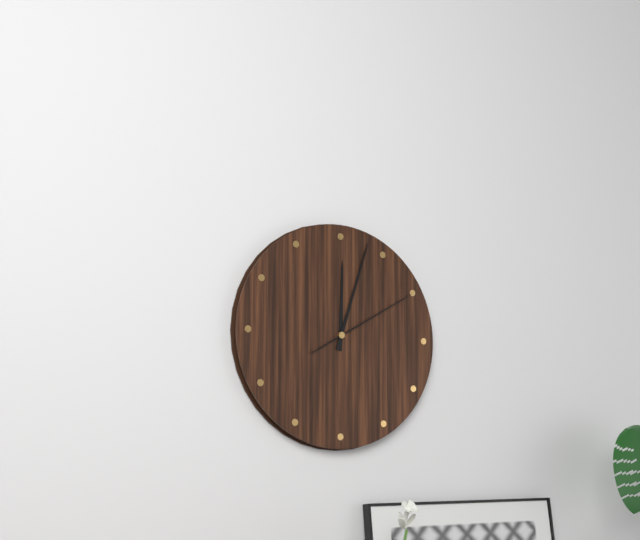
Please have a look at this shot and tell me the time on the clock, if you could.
12:03:10
